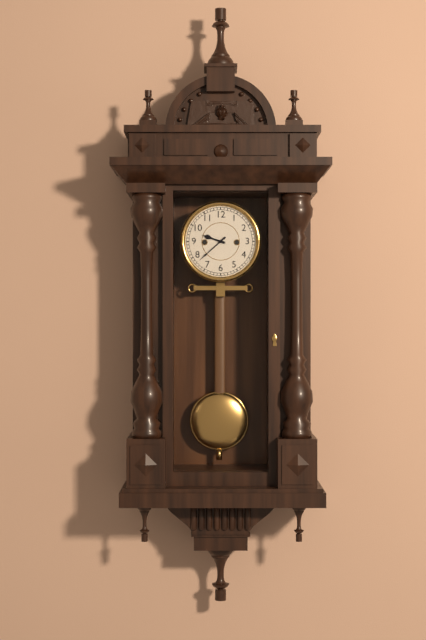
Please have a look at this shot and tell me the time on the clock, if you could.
9:38
